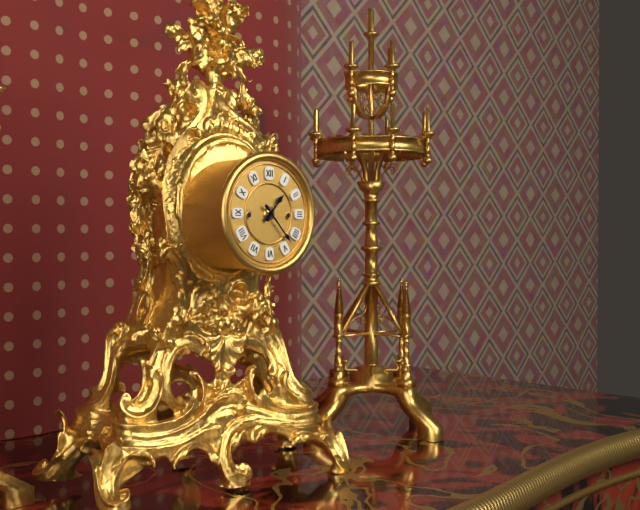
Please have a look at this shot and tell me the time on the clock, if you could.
1:23
